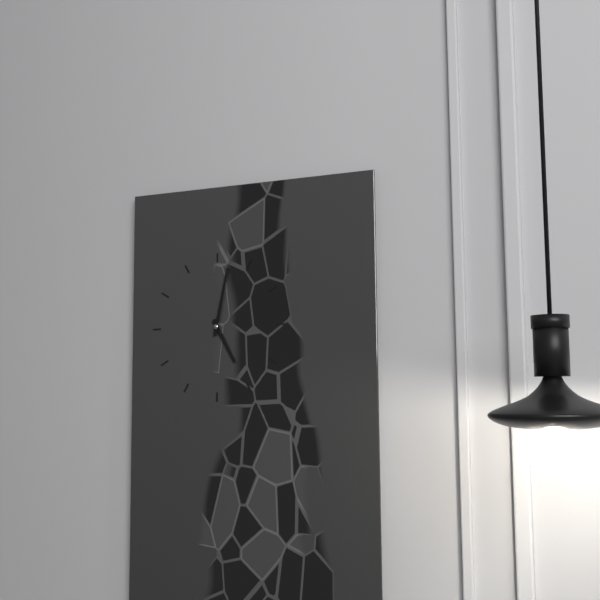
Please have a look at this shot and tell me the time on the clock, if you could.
5:02
